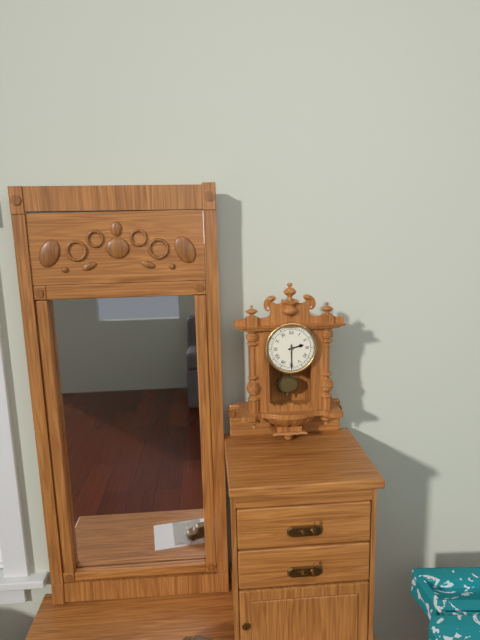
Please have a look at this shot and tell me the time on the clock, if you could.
2:30
